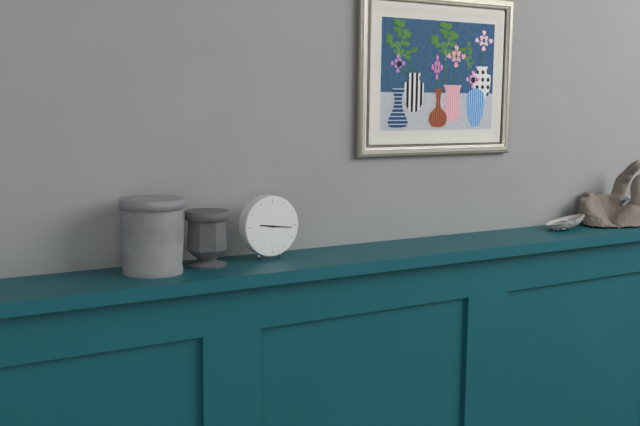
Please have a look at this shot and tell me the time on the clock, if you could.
9:16
